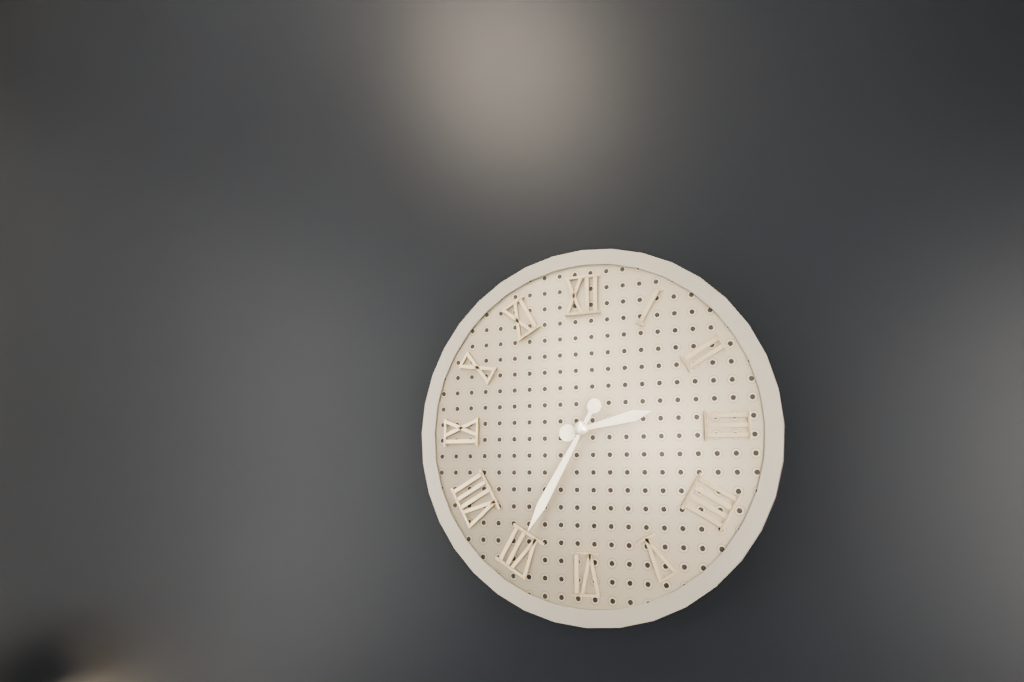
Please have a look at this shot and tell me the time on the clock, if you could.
2:35
